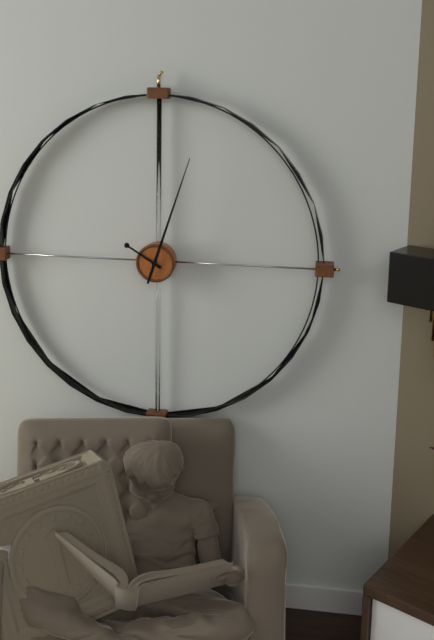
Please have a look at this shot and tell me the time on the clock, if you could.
10:03
